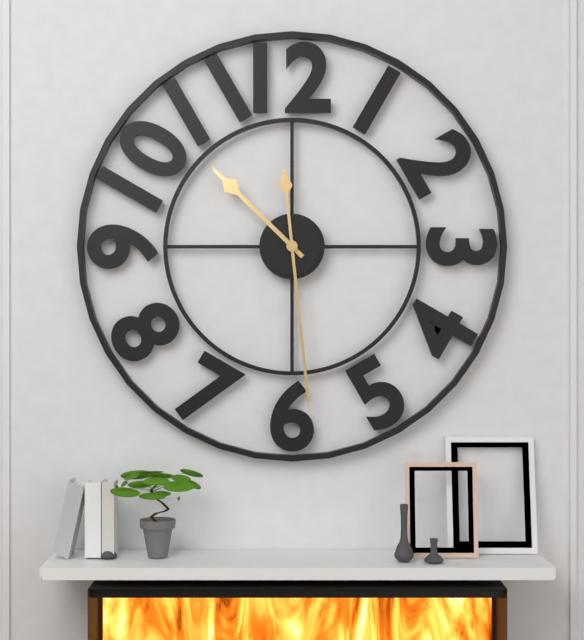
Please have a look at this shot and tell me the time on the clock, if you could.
10:29
